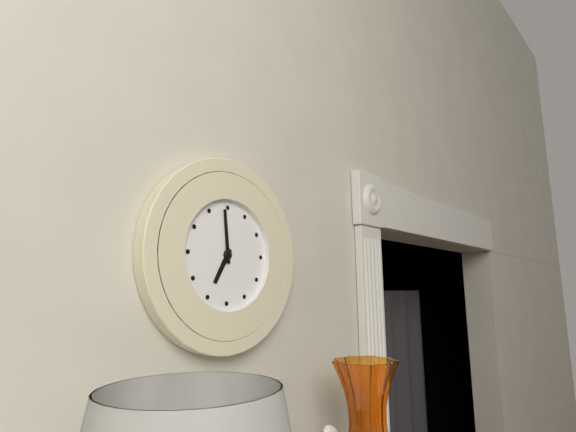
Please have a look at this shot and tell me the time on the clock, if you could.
6:59
